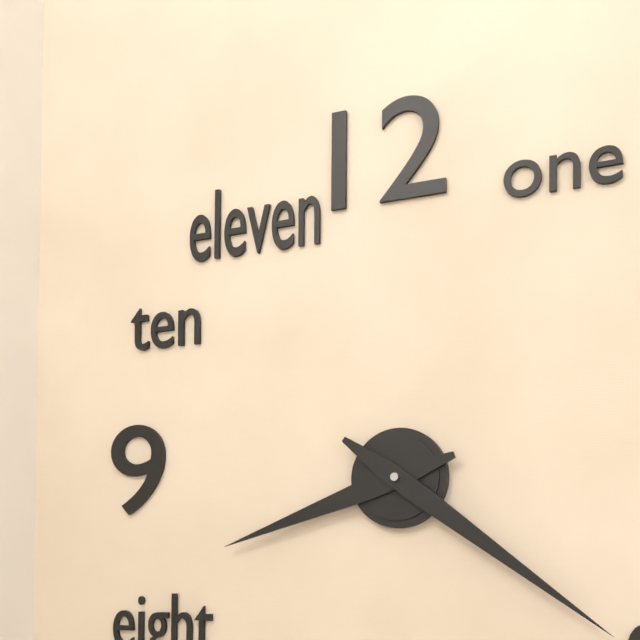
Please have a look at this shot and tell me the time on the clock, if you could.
8:21
